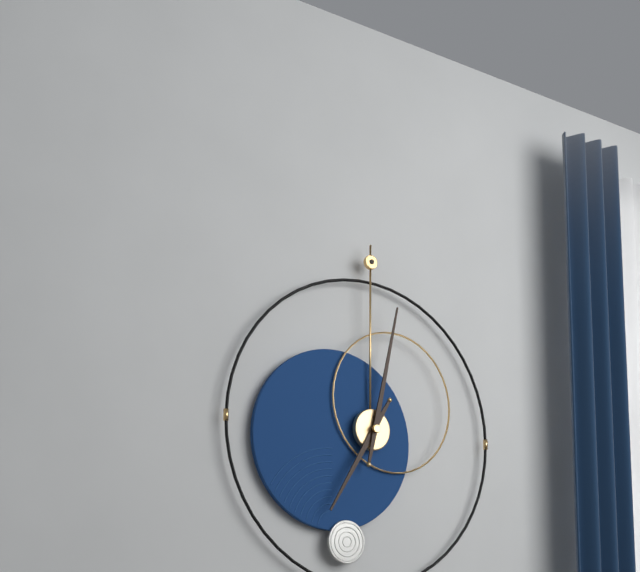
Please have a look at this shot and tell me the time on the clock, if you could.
7:02
